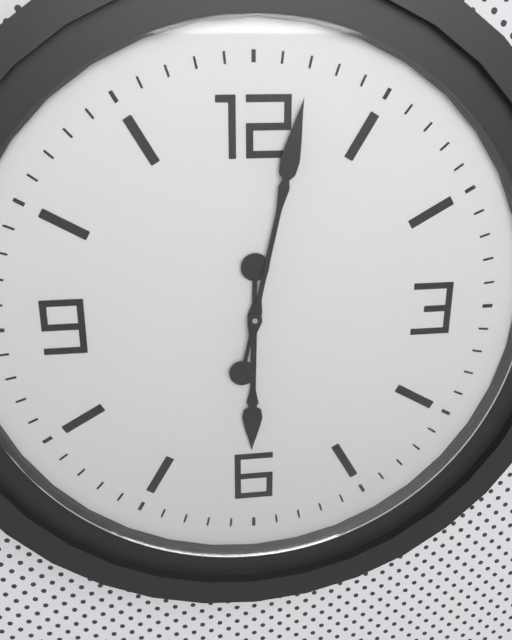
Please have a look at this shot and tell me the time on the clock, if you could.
6:02
